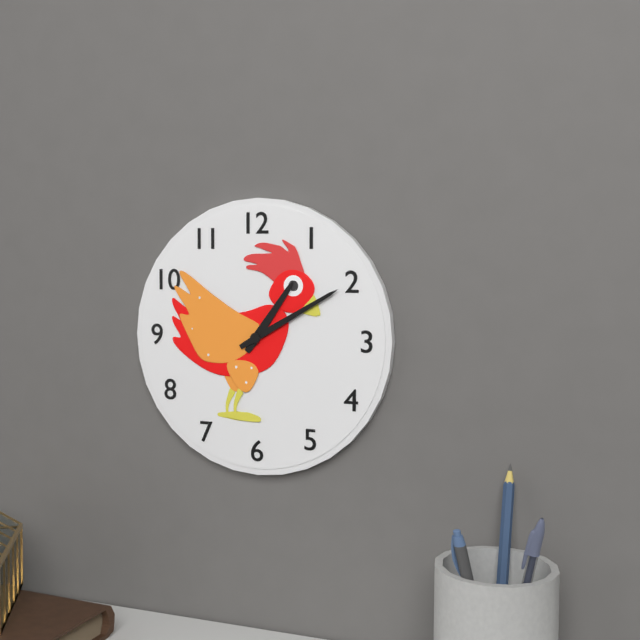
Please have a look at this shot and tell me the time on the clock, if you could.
1:10
